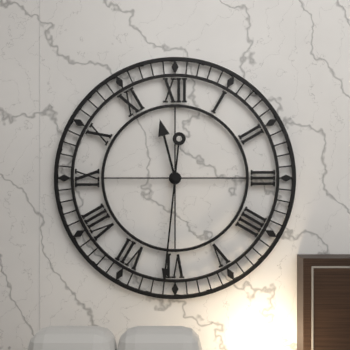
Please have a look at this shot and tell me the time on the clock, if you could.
11:31
